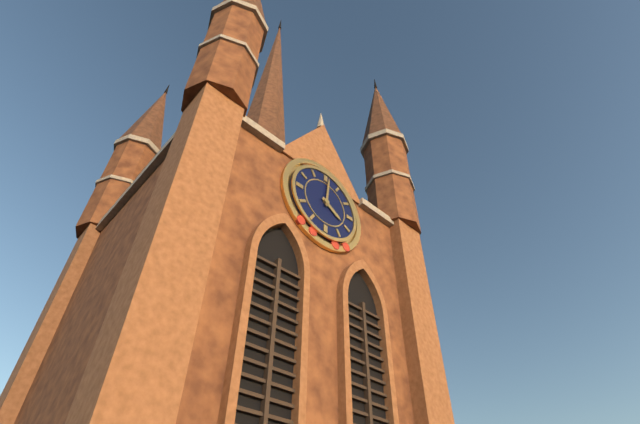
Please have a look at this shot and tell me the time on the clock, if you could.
4:01
